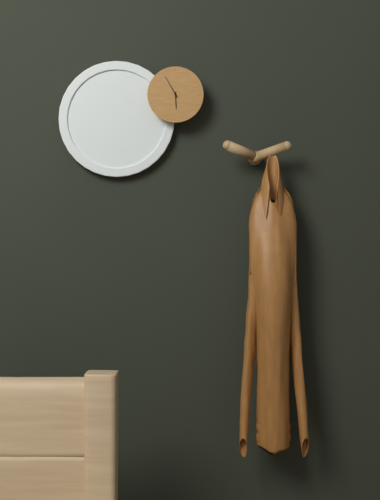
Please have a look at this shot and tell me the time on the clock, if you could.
5:55
